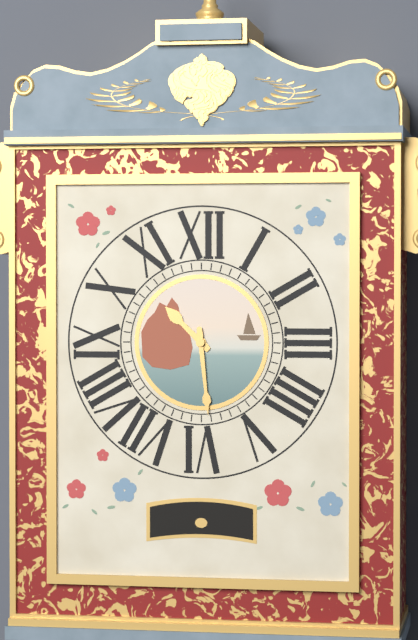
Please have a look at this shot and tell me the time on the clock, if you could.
10:29
